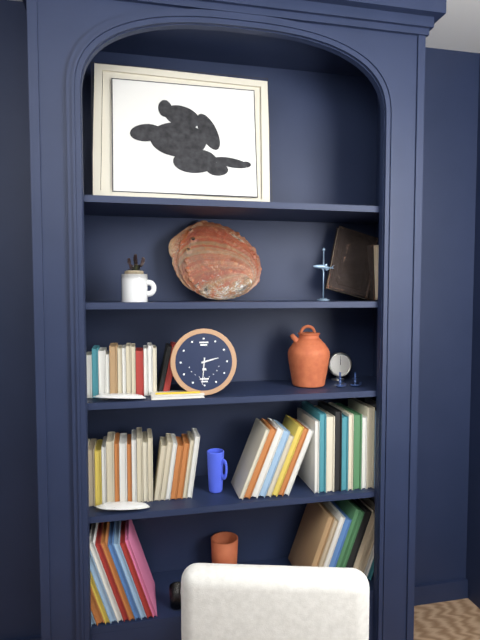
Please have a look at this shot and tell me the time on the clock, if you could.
2:31
